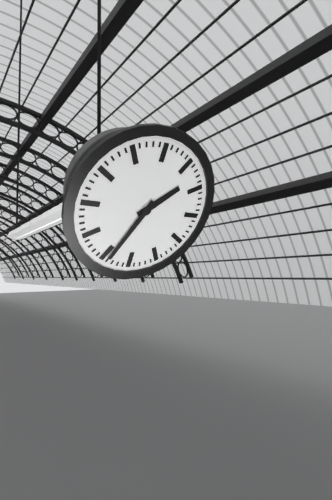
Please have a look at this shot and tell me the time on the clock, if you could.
1:34
